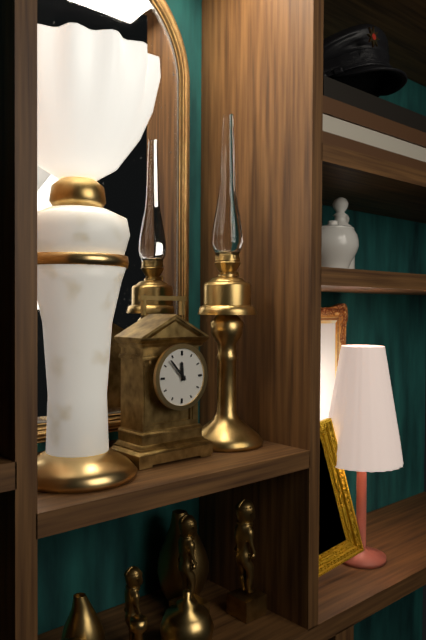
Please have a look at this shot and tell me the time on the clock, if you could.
11:53
